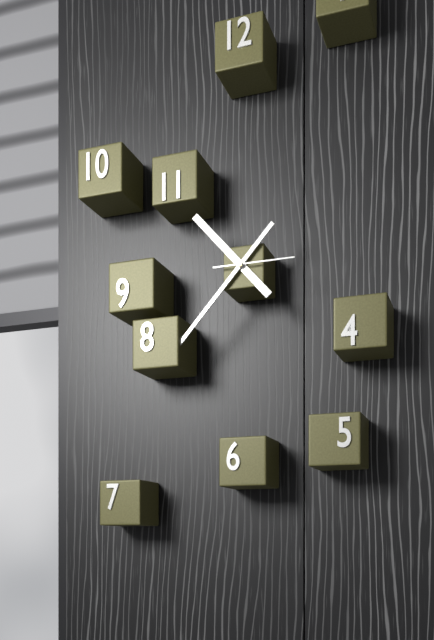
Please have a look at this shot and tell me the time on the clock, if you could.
10:37:15
